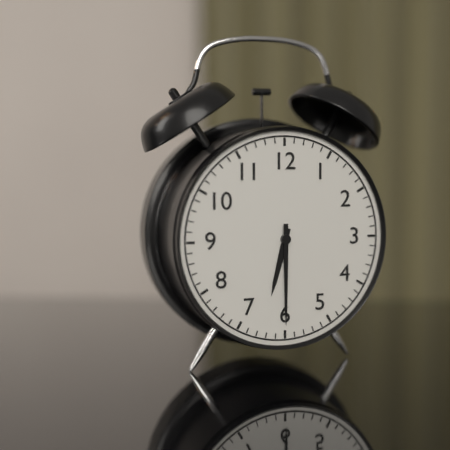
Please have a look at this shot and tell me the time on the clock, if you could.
6:30
